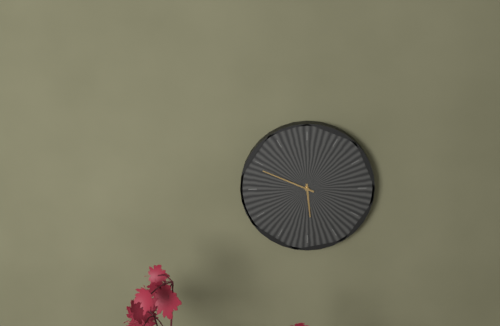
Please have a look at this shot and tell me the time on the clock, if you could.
5:49
